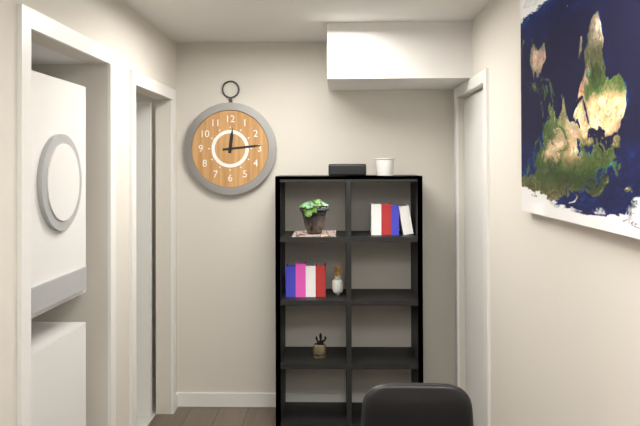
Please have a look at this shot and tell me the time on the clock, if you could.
12:14
